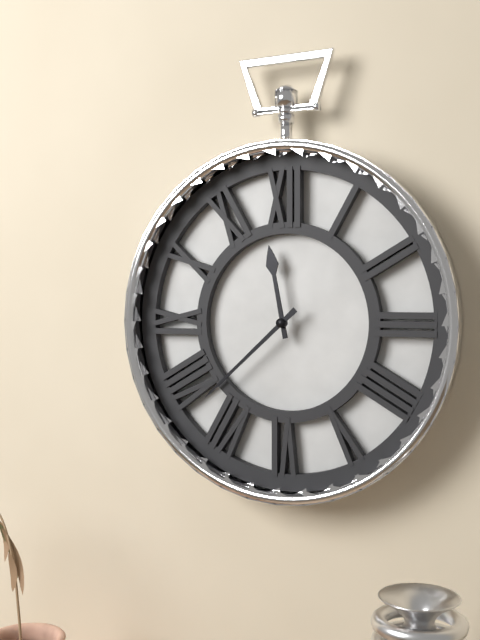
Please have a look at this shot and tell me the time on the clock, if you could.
11:38
